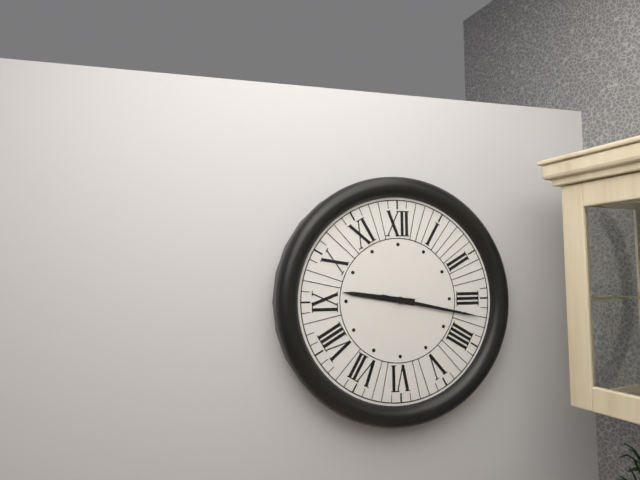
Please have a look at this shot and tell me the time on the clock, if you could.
9:17
